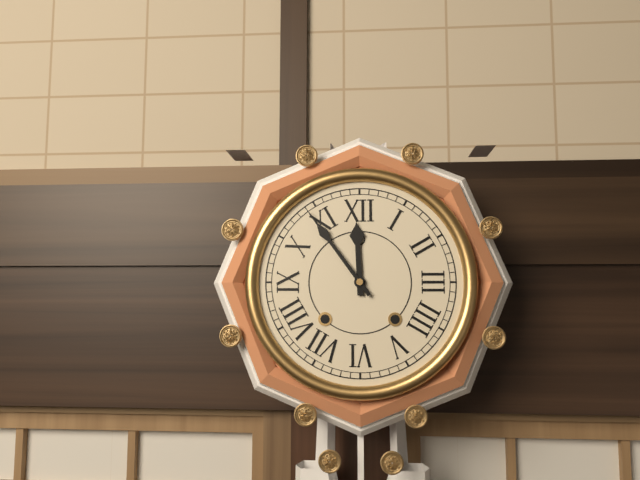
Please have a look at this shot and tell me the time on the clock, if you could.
11:54
